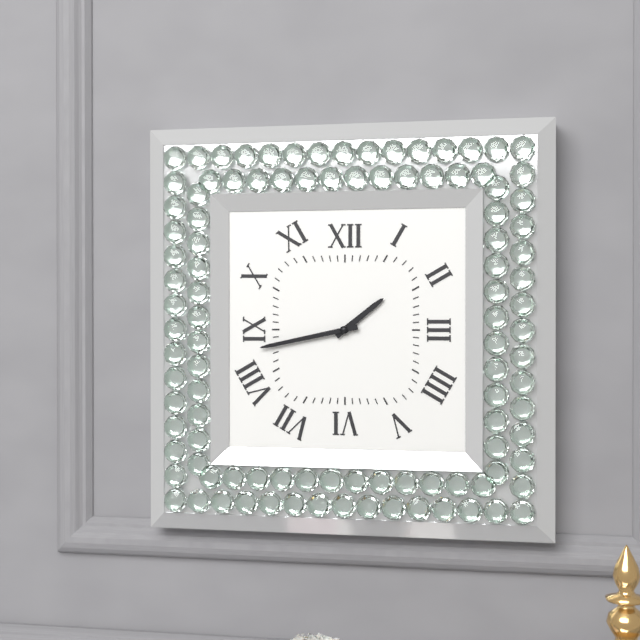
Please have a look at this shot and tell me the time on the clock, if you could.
1:43
